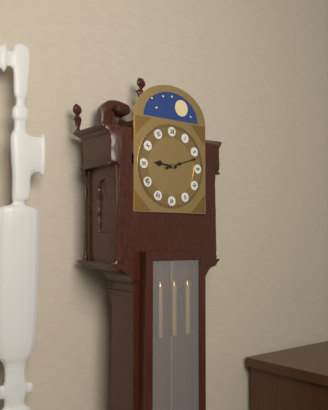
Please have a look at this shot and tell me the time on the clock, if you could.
9:12
